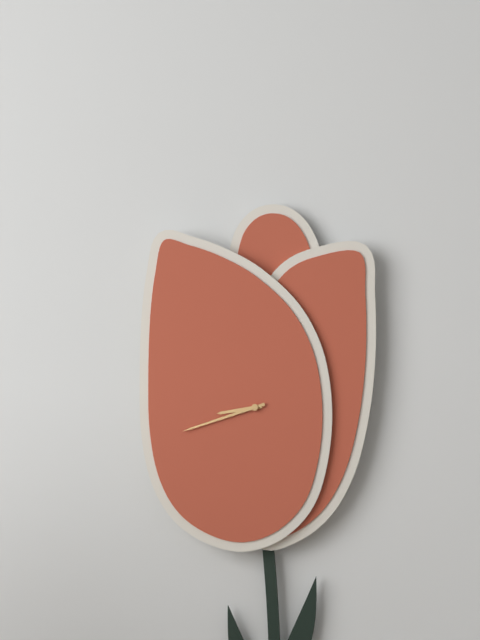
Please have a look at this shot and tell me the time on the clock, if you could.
8:42
